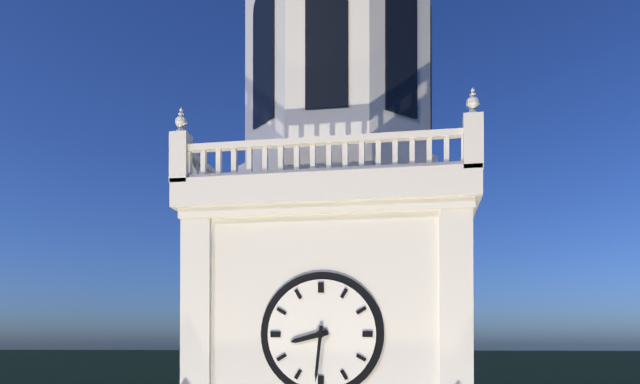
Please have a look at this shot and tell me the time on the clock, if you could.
8:31
